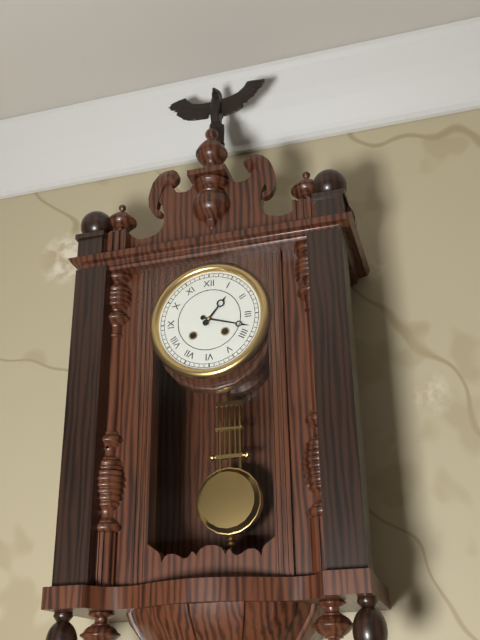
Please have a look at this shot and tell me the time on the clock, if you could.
1:18
